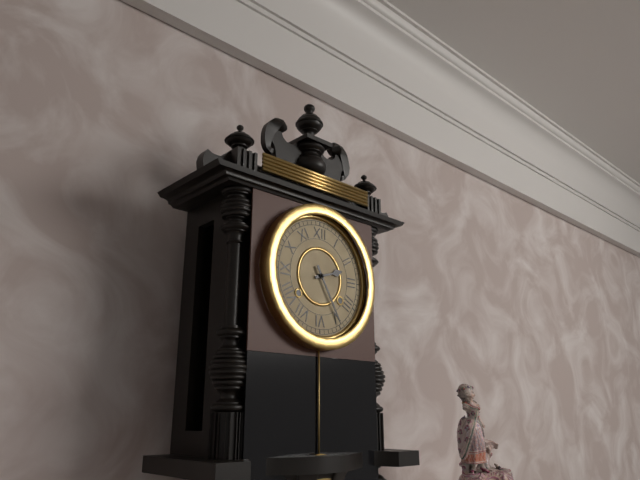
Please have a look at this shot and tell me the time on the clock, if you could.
2:25
